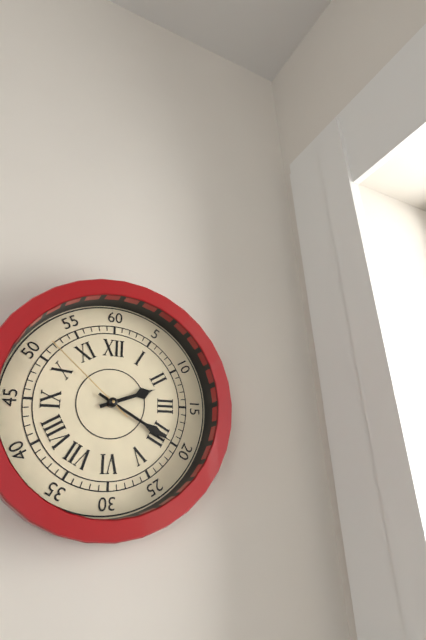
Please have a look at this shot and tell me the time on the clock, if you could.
2:20:52
